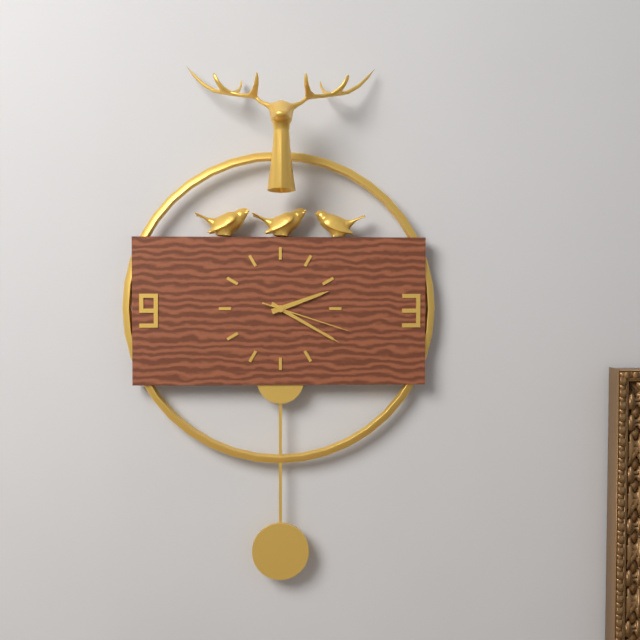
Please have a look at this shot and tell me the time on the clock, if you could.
2:20:18
